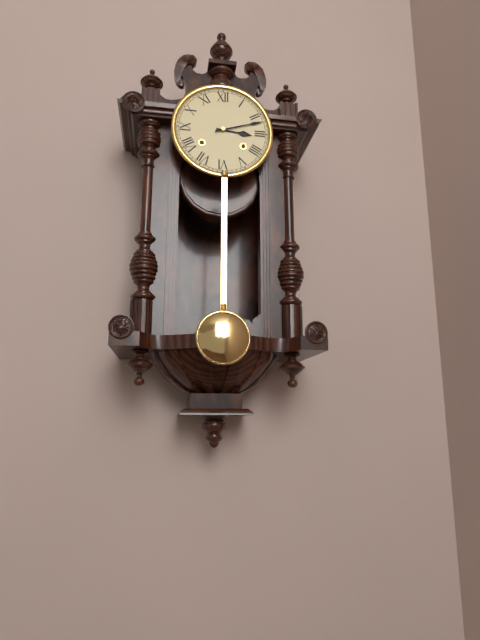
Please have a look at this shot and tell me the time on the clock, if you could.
3:12
